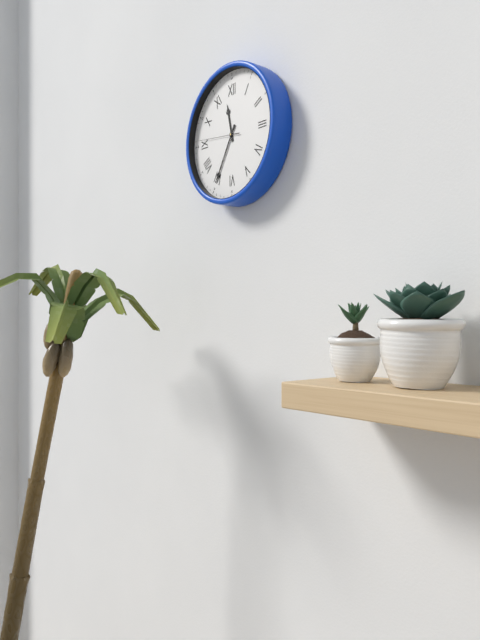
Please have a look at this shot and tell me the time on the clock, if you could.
11:35
